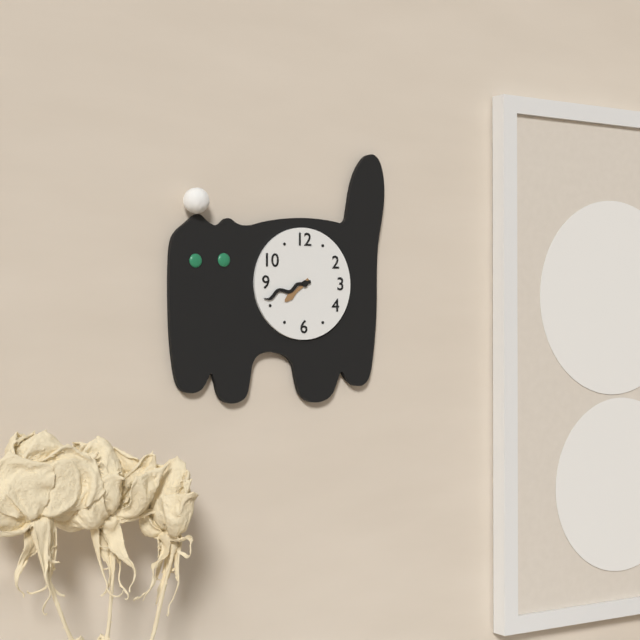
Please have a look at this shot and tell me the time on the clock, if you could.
7:42
